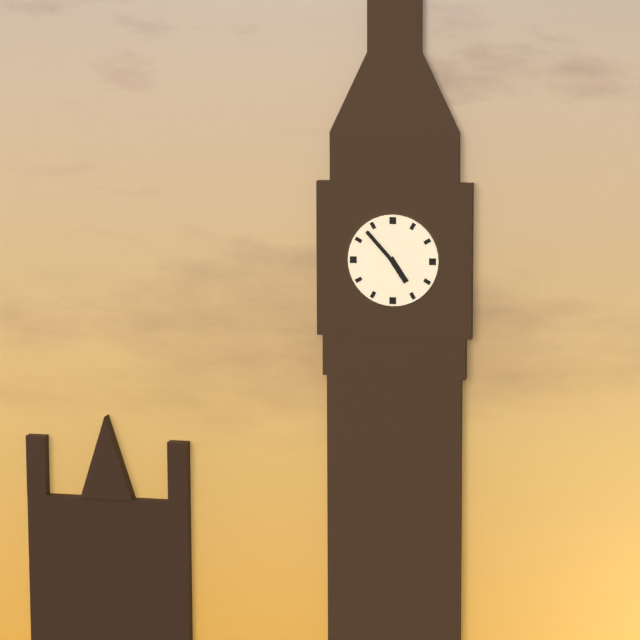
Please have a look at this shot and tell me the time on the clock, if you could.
4:53
